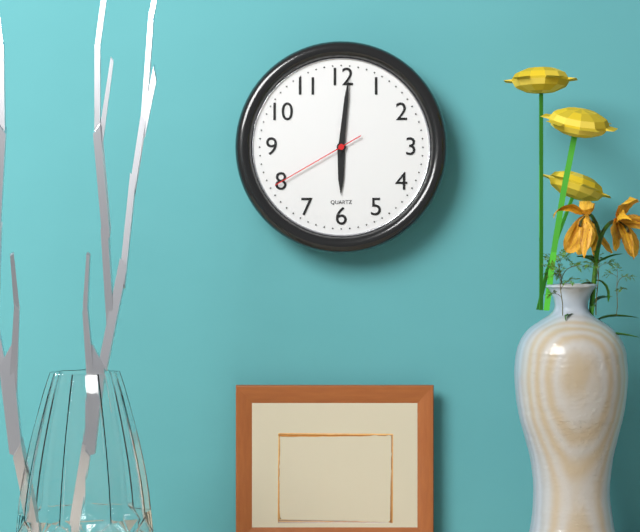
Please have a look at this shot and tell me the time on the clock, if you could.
6:01:40
